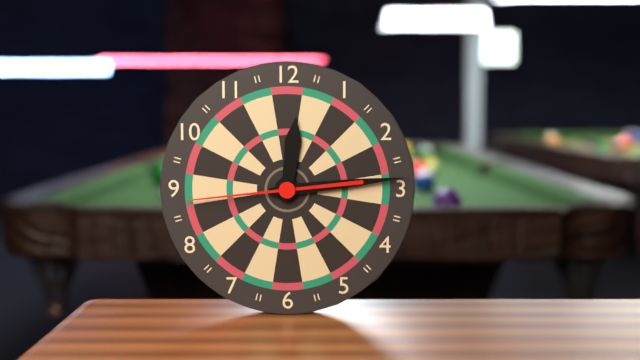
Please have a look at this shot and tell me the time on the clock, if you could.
12:14:44
